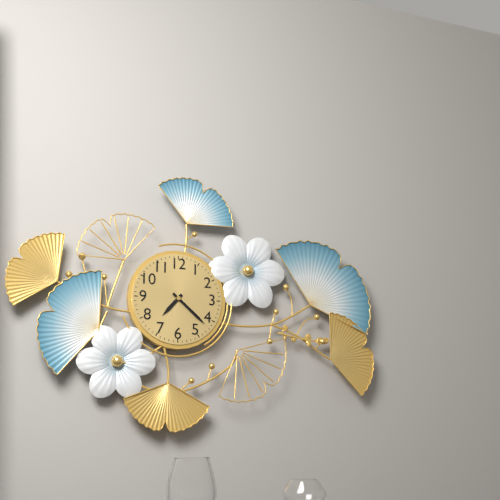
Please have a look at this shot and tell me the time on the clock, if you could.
7:22
